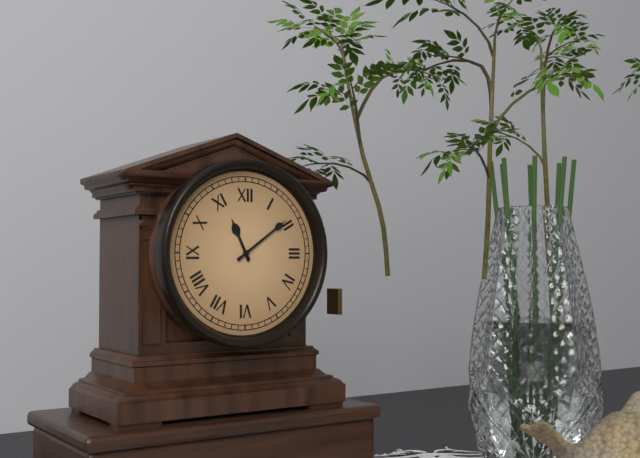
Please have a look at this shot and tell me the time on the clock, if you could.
11:09
